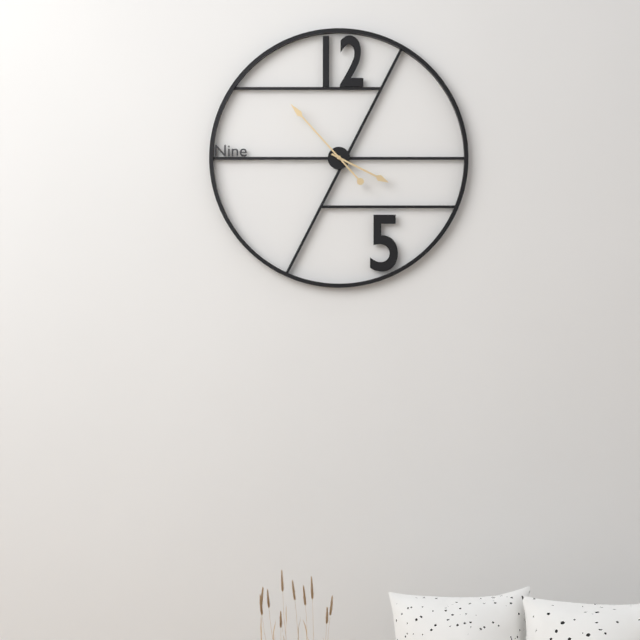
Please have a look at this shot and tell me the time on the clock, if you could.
3:53
